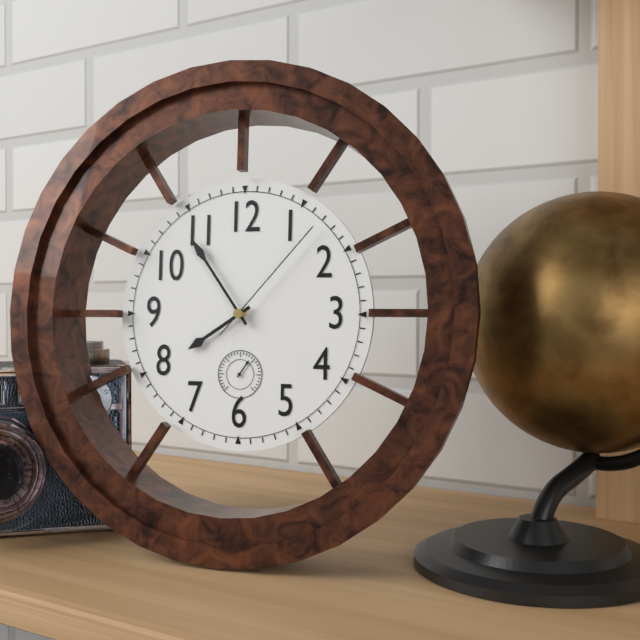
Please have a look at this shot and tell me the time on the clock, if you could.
7:54:07
